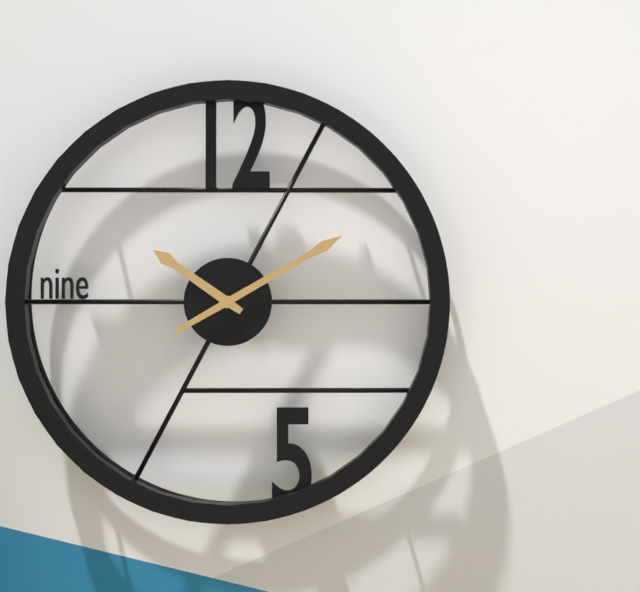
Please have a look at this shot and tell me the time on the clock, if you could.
10:10
